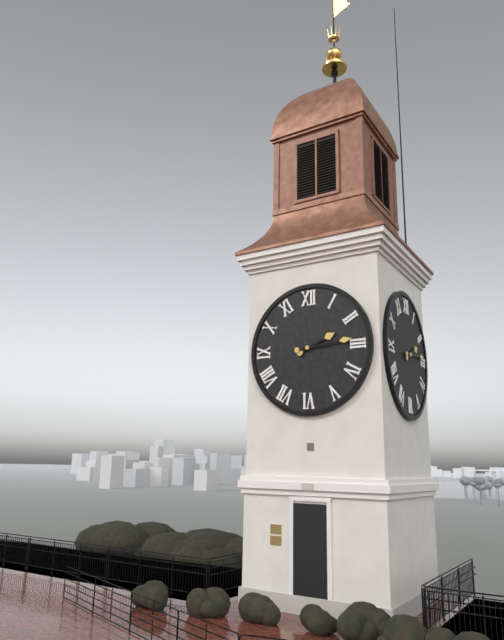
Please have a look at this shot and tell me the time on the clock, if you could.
2:14
